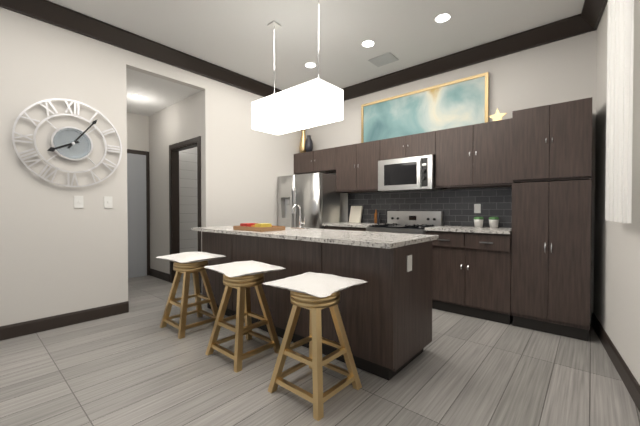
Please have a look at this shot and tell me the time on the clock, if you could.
8:06
